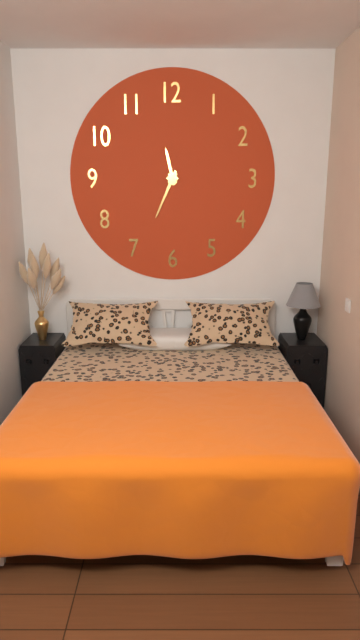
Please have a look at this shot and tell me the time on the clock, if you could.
11:34
